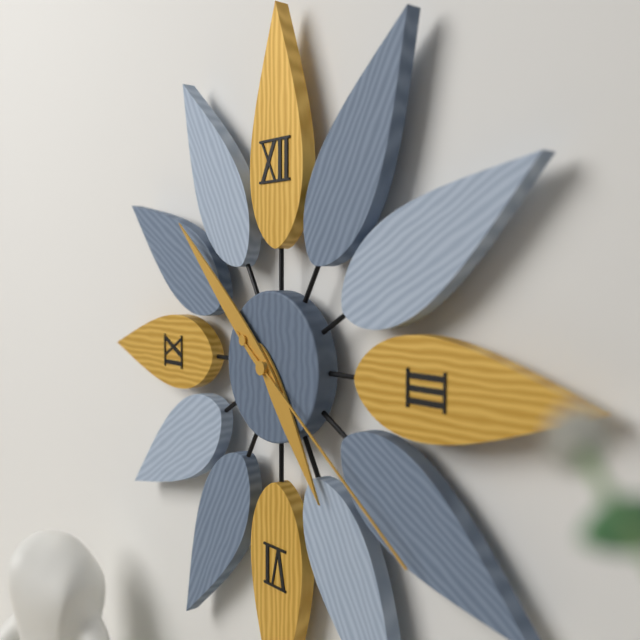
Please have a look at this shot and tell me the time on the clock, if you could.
4:52:21
